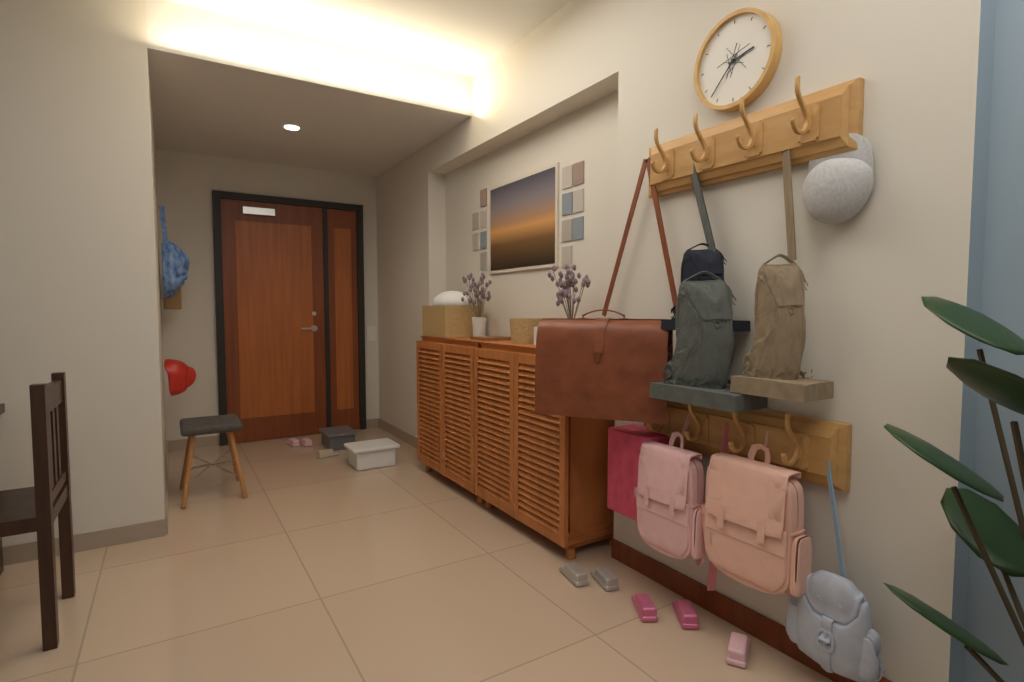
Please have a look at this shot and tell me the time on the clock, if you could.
2:37
